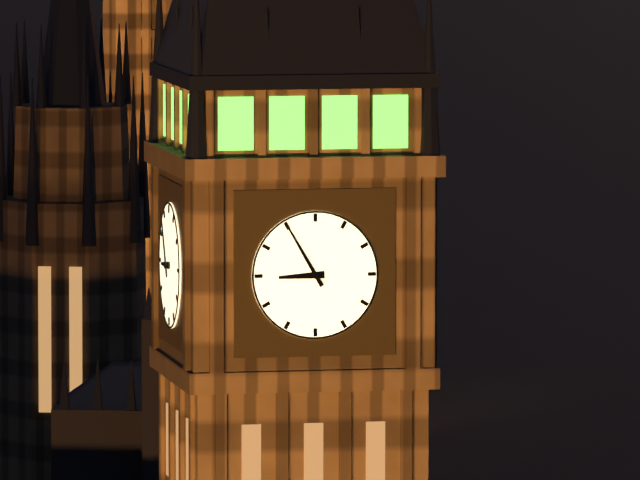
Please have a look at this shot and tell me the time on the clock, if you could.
8:55
